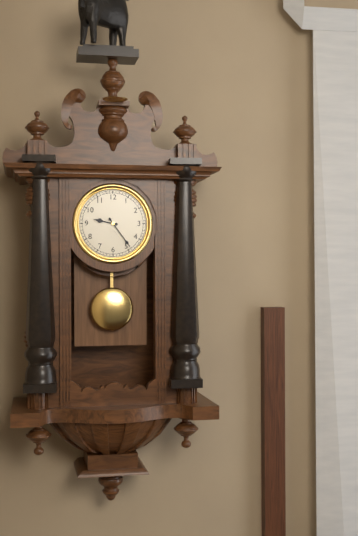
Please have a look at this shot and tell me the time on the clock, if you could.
9:24
